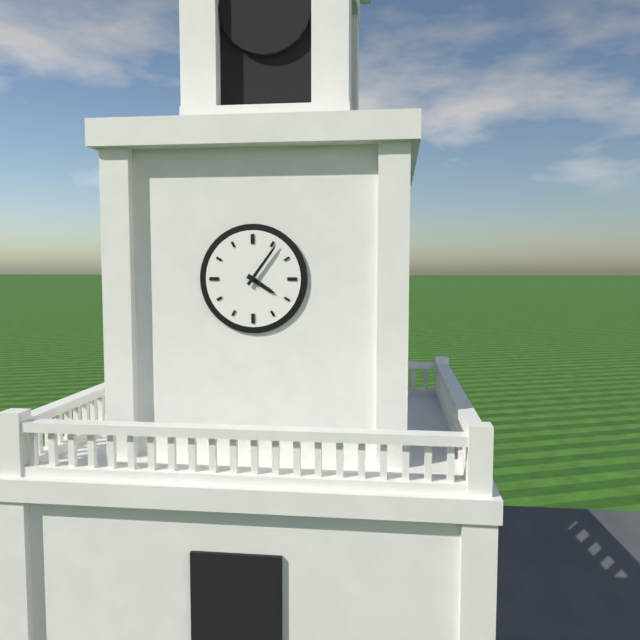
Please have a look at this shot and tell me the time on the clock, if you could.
4:06
